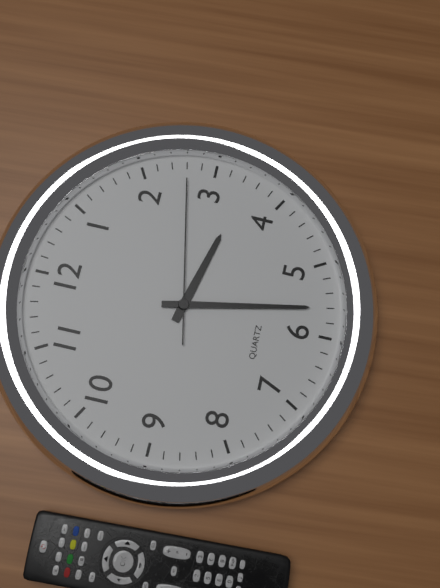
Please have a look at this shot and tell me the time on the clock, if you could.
3:28:13
